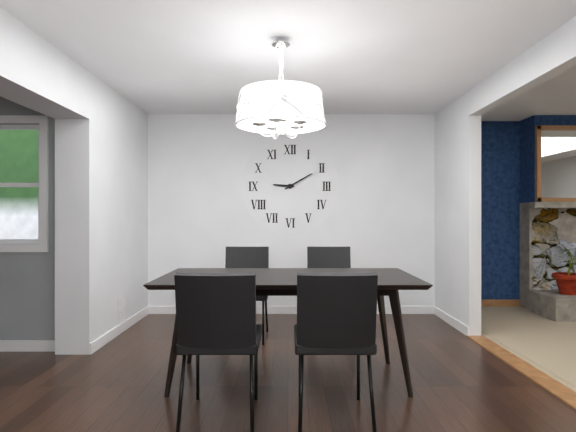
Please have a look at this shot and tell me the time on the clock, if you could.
9:10
